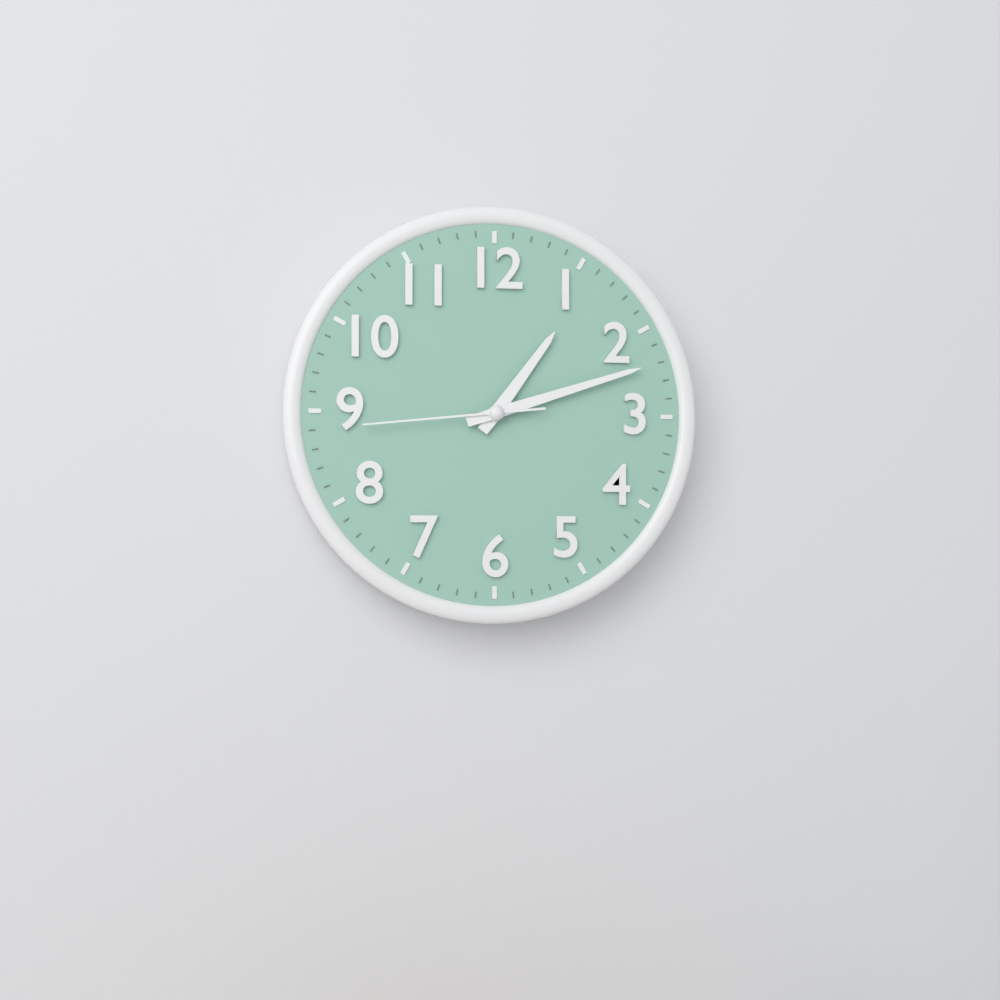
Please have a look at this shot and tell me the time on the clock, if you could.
1:12:44
